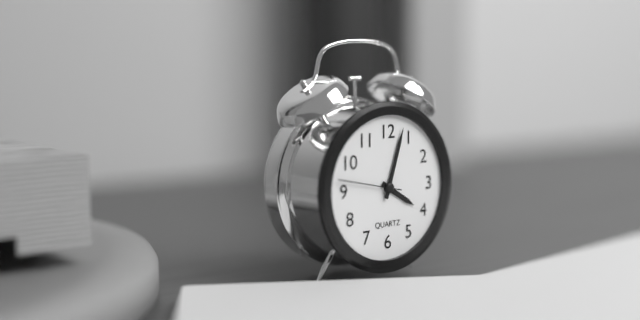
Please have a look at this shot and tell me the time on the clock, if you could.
4:03:47
